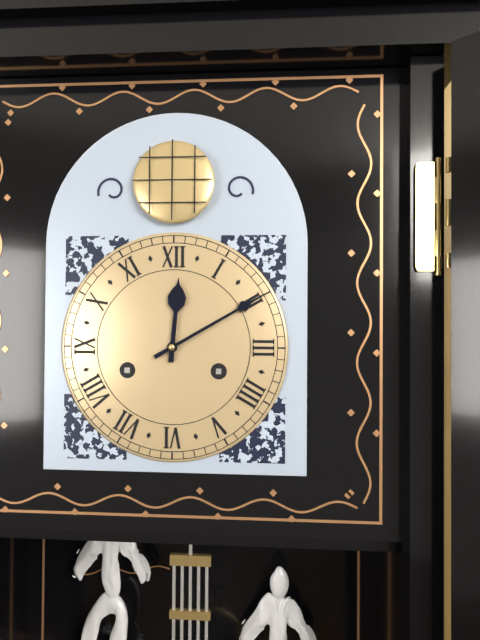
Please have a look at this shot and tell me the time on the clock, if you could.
12:10
